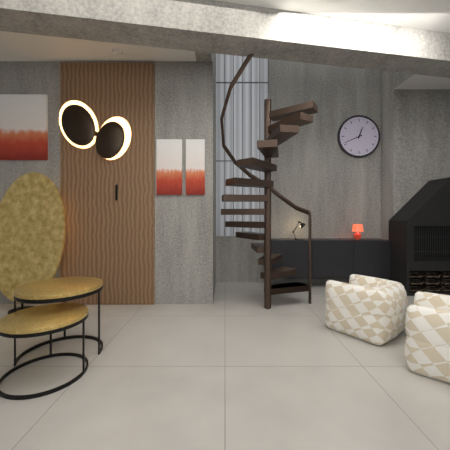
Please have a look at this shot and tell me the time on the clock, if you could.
12:41
